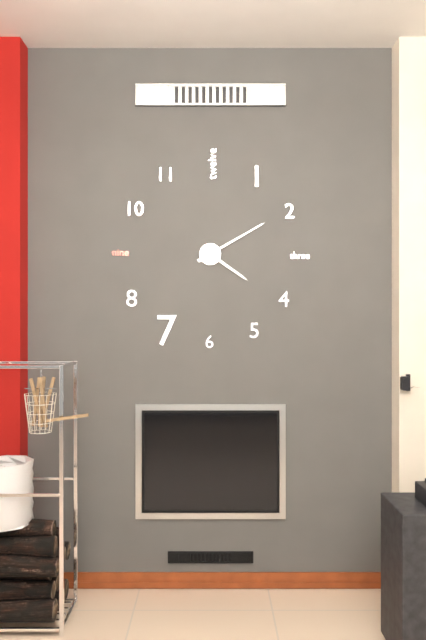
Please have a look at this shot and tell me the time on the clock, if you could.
4:10
